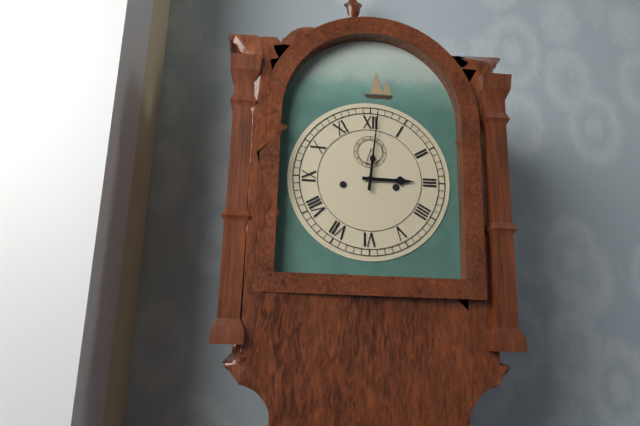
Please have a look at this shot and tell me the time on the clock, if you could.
3:01
